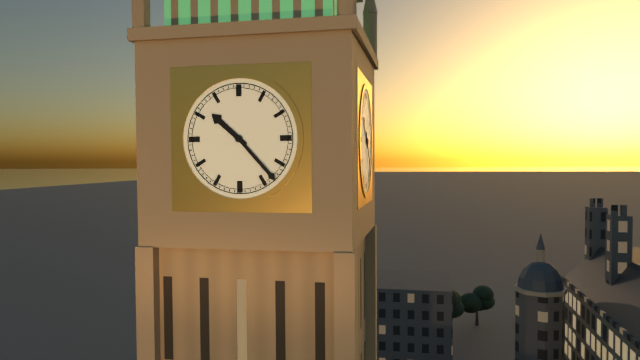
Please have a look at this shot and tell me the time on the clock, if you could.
10:23
